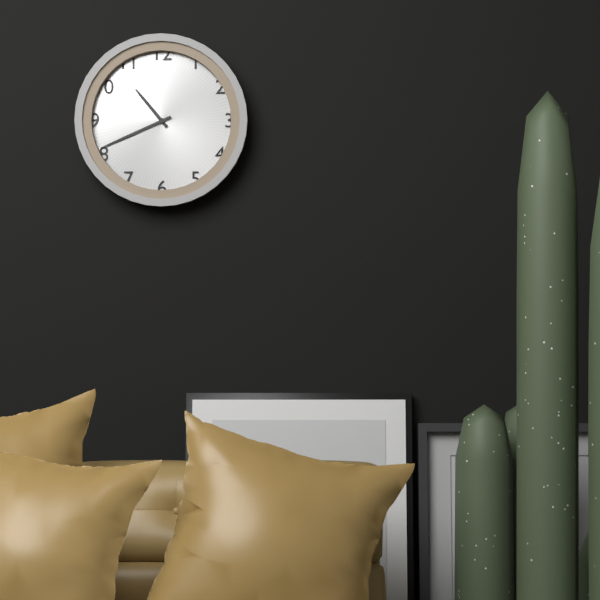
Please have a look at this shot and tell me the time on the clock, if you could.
10:41
